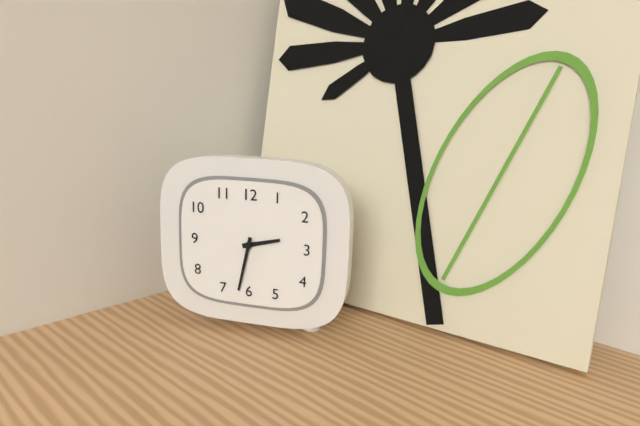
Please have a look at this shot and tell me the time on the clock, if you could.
2:32
